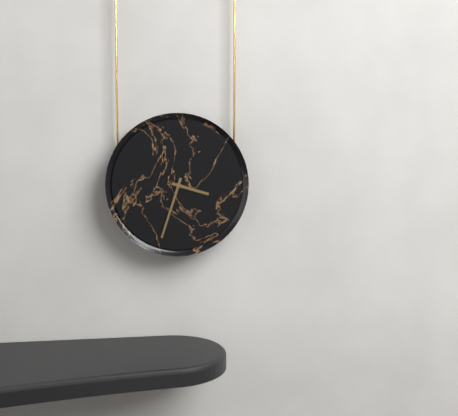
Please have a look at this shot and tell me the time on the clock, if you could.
3:33
